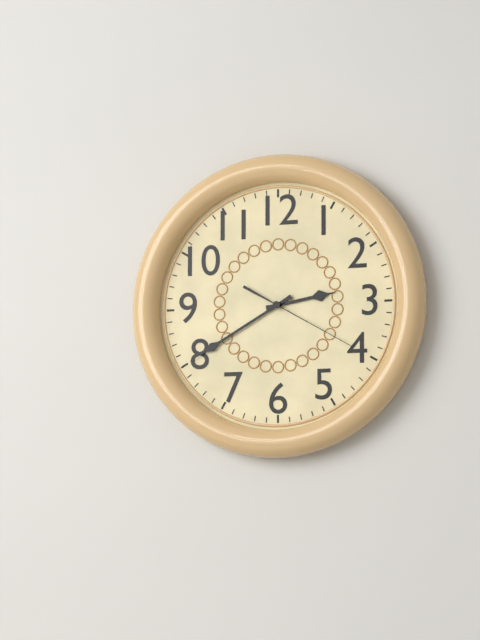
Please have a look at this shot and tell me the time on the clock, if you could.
2:40:20
